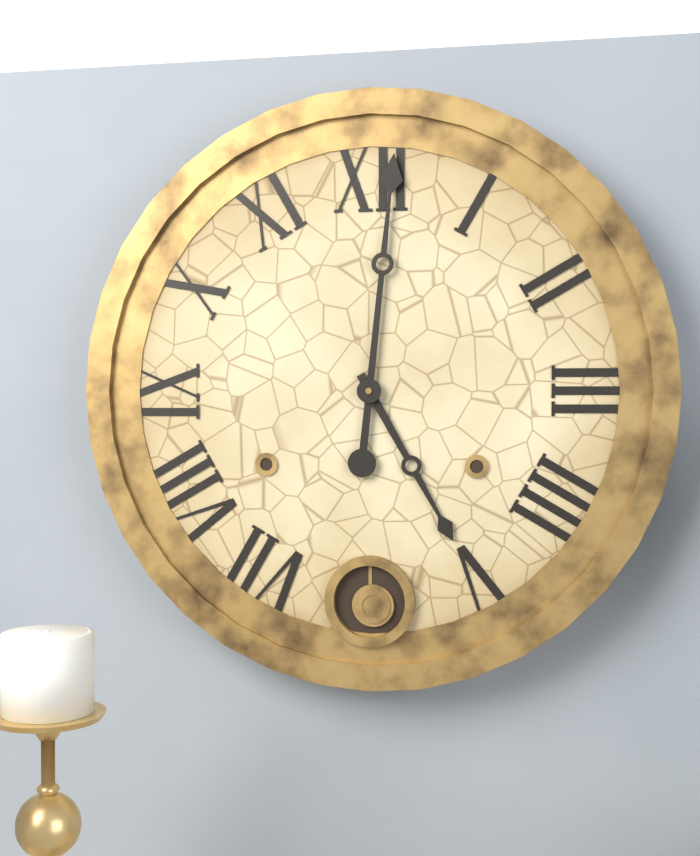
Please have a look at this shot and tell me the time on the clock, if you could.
5:01
